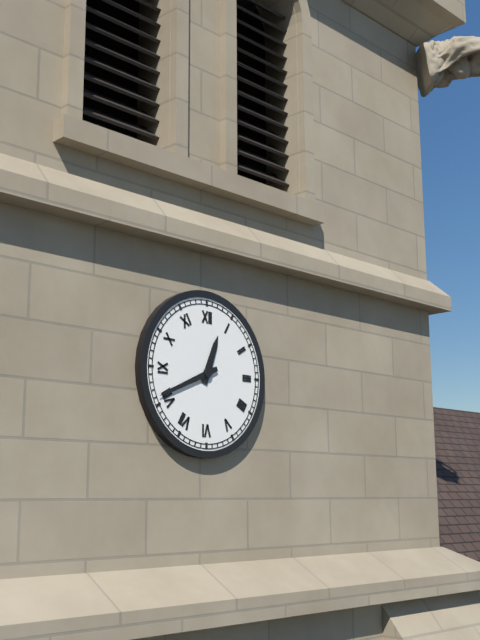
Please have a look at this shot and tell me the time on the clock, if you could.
12:41
